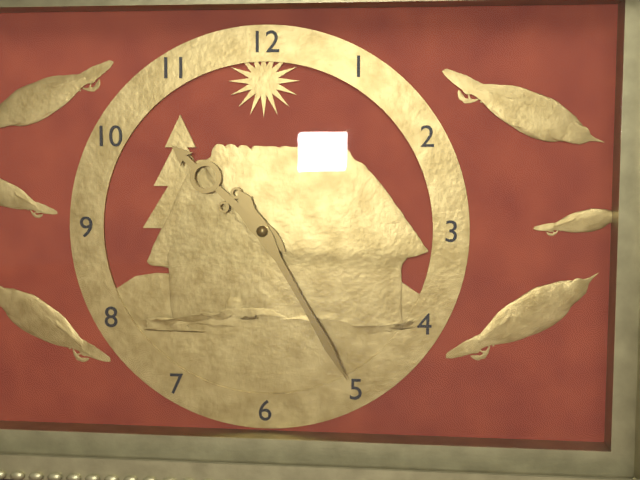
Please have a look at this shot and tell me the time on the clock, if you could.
10:25
